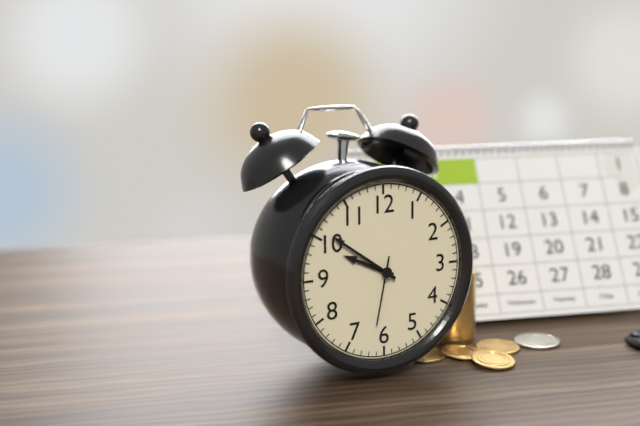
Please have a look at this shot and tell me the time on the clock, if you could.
9:51:32
